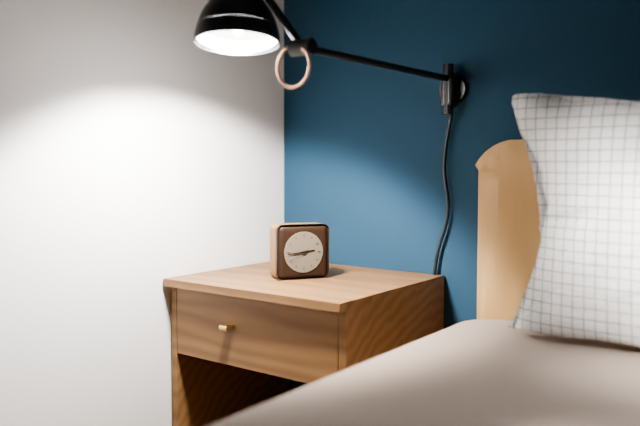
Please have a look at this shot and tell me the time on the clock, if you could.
2:44
